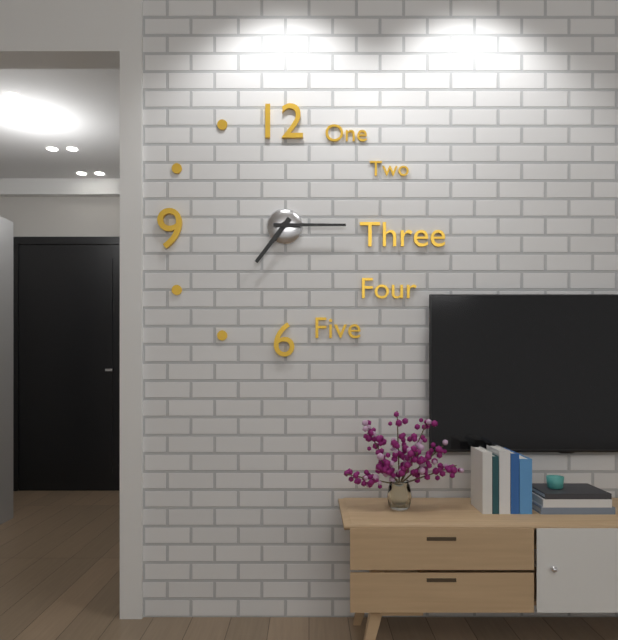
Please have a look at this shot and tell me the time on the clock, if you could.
7:15
